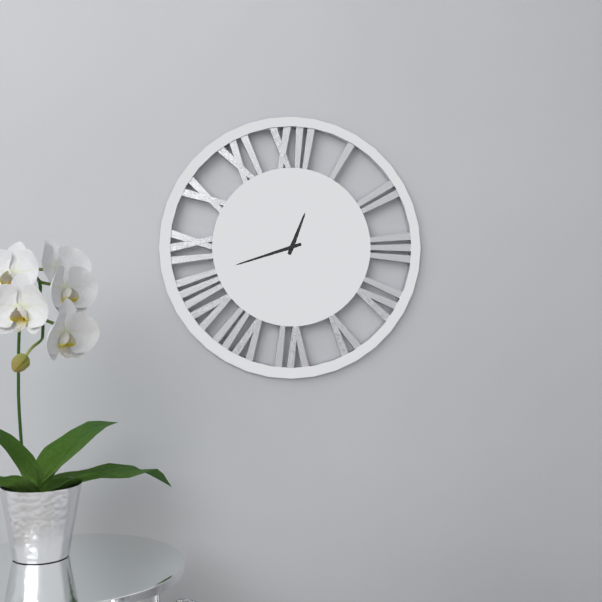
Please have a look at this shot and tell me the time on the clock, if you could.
12:42
